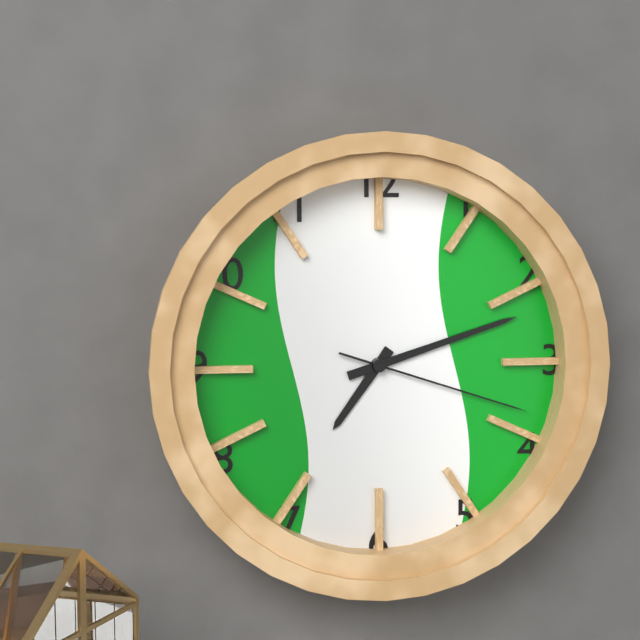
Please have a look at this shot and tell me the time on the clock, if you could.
7:12:18
